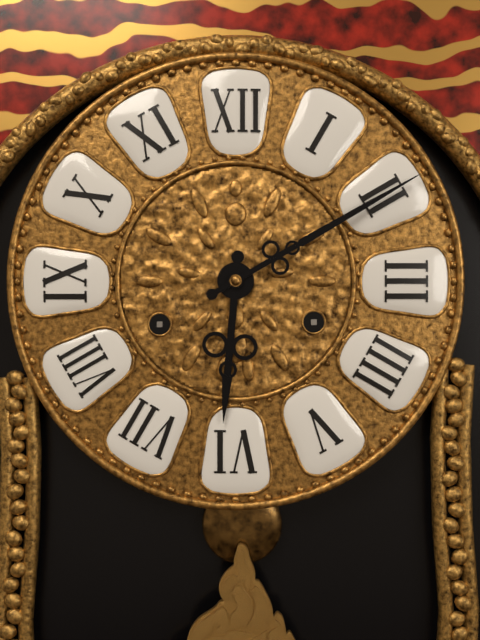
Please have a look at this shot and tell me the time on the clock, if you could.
6:10
